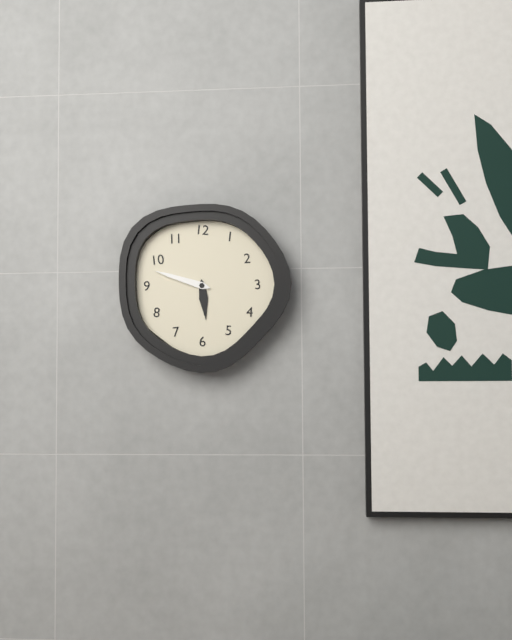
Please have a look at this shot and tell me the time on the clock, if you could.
5:48
